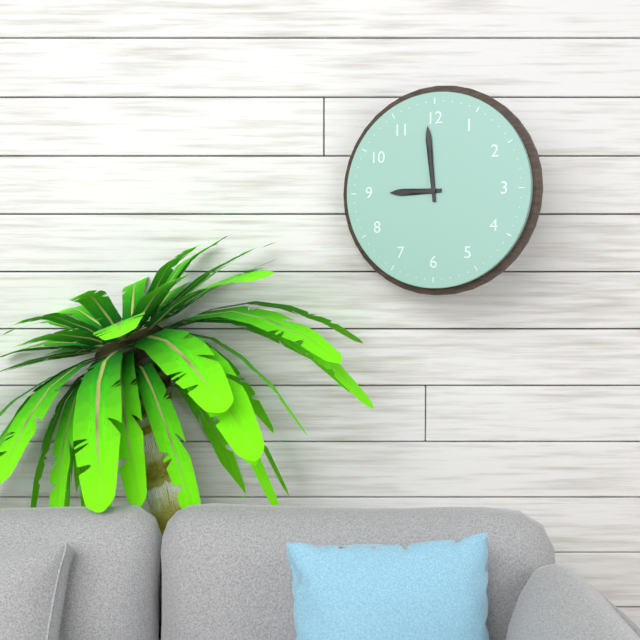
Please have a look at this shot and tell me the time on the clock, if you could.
8:59
